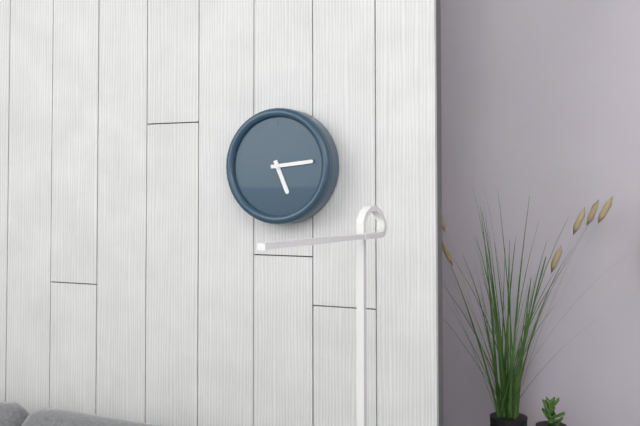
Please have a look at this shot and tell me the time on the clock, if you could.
5:14
